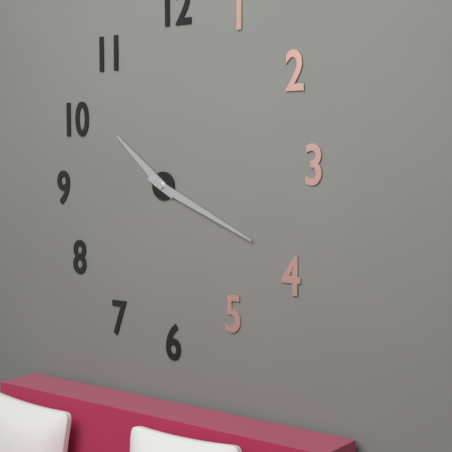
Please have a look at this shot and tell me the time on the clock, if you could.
10:19
